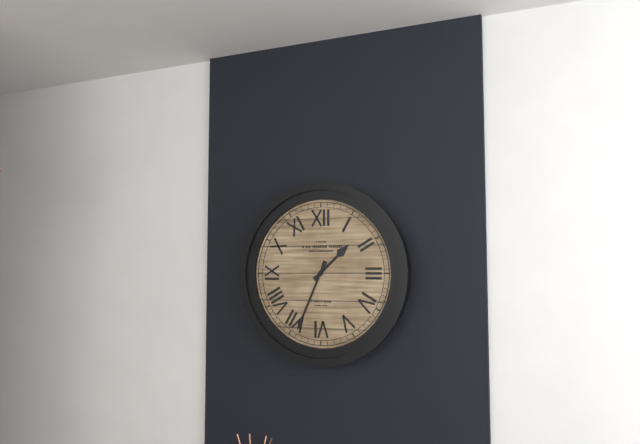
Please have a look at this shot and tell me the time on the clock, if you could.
1:34
